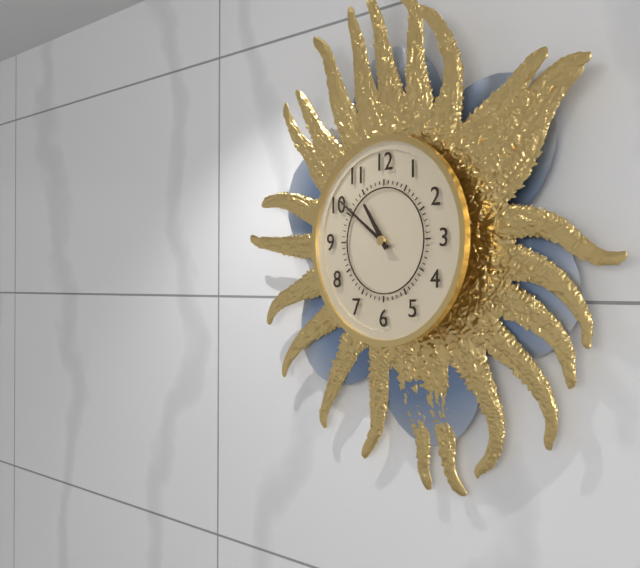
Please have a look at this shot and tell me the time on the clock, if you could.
10:51
